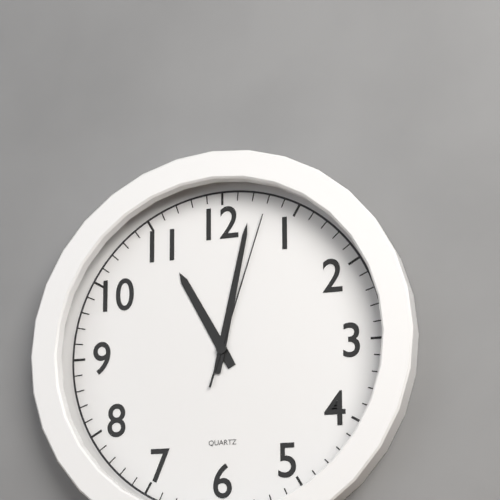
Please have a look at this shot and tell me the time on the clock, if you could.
11:02:03
